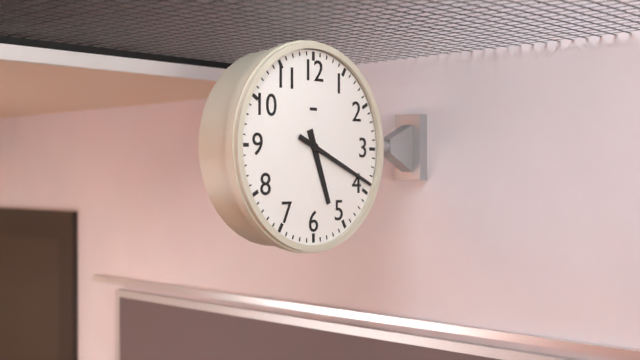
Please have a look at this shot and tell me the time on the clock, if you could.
5:19
